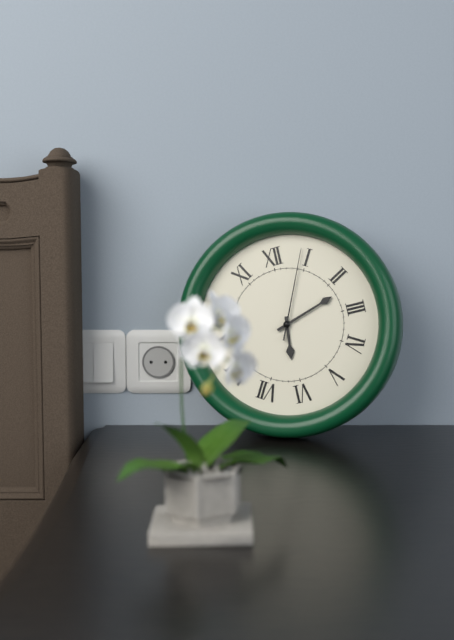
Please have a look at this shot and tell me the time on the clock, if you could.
6:12:04
